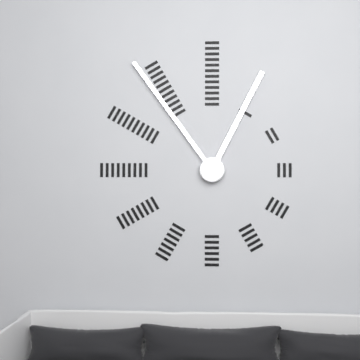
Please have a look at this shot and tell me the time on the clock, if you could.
12:54
